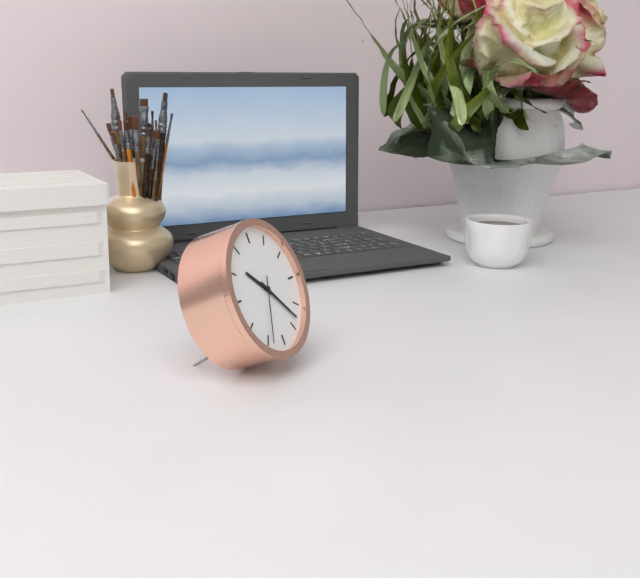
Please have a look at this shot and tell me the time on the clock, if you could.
10:23:34
